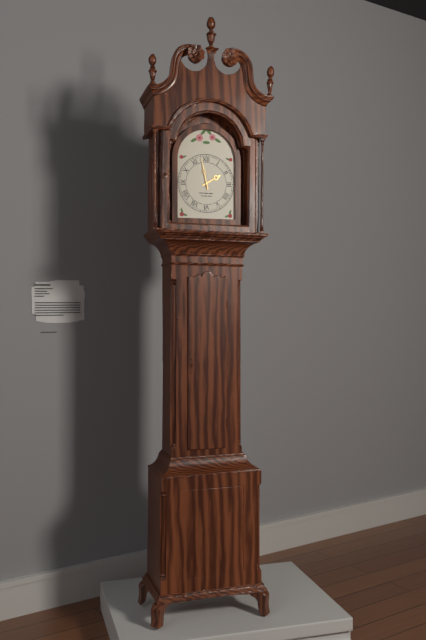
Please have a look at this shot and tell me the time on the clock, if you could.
1:58
